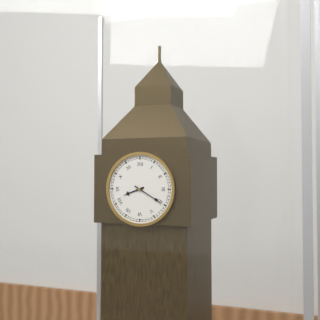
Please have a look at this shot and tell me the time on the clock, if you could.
8:20
